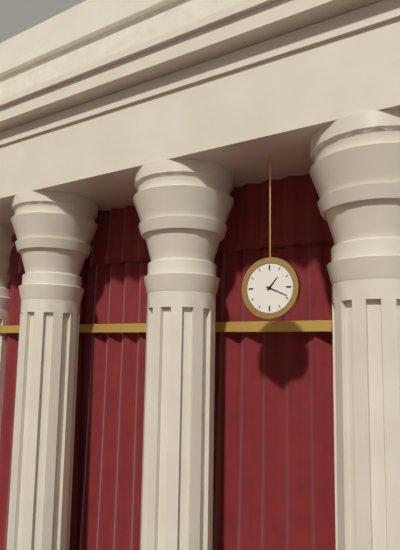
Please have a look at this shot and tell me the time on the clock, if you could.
1:19
